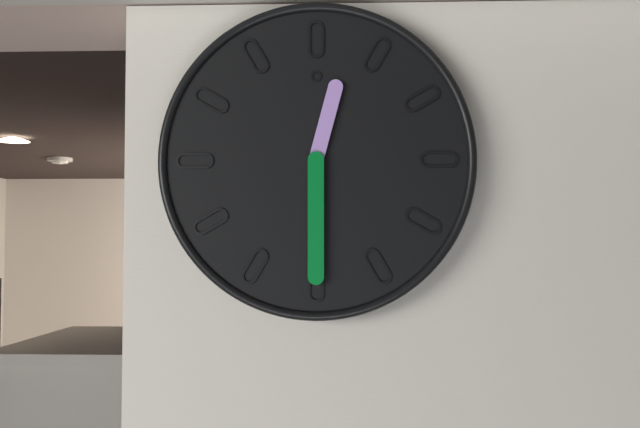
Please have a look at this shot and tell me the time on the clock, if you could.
12:30
